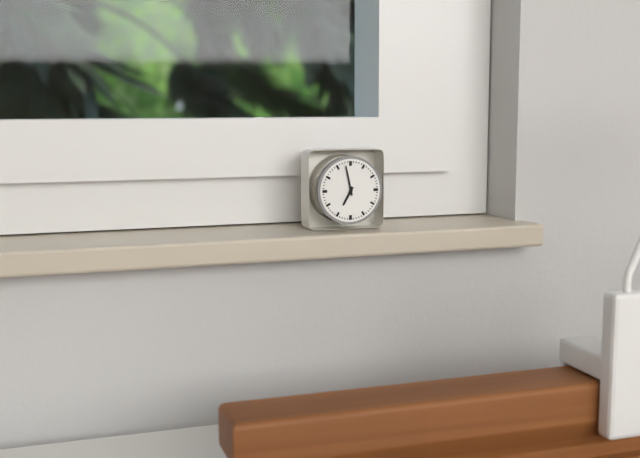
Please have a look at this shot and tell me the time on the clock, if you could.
6:58
